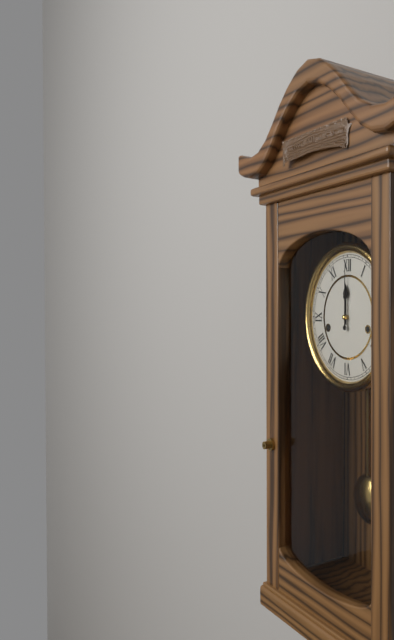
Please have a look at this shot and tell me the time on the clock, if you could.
12:00
